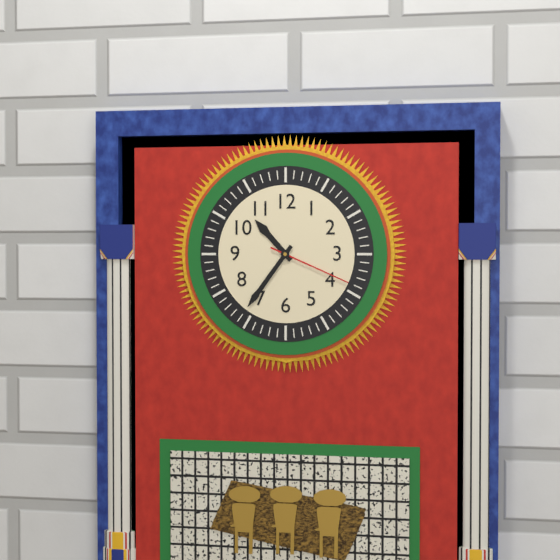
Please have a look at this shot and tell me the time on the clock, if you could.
10:36:19
